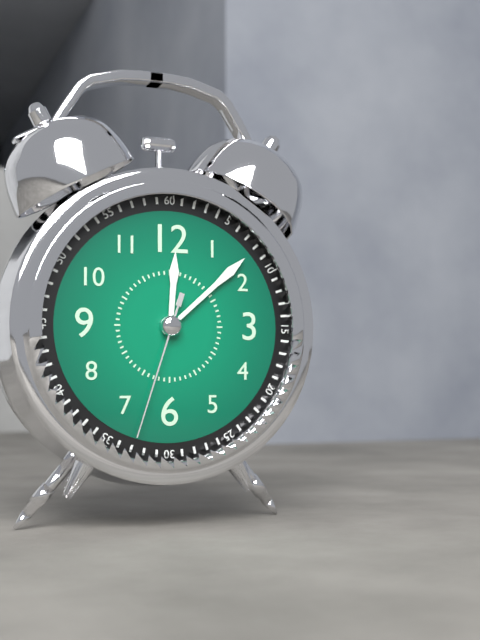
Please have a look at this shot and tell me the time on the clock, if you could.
12:08:33
